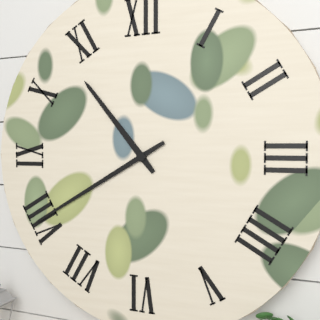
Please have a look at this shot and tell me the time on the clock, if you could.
10:40
